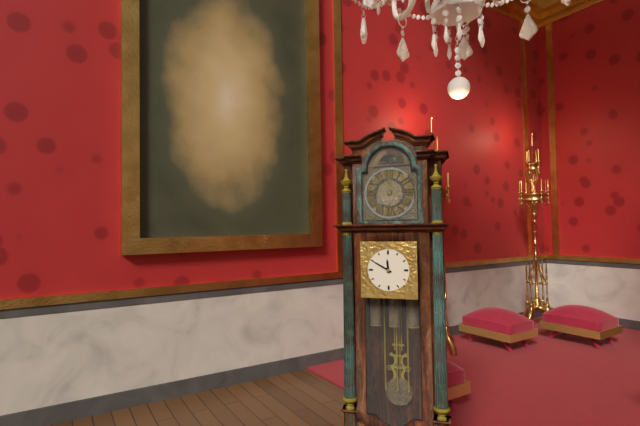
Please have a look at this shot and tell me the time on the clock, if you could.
11:50
